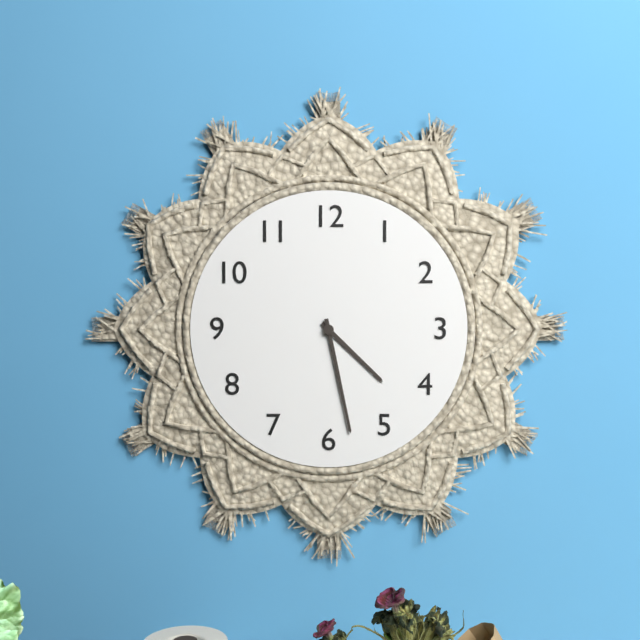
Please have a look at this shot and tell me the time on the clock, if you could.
4:28
